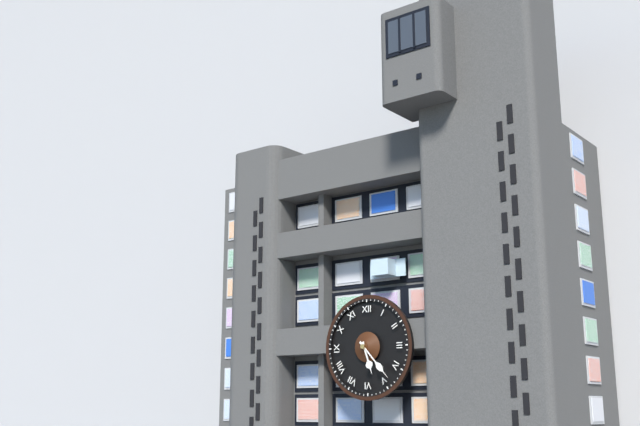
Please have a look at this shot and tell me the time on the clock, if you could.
5:23
